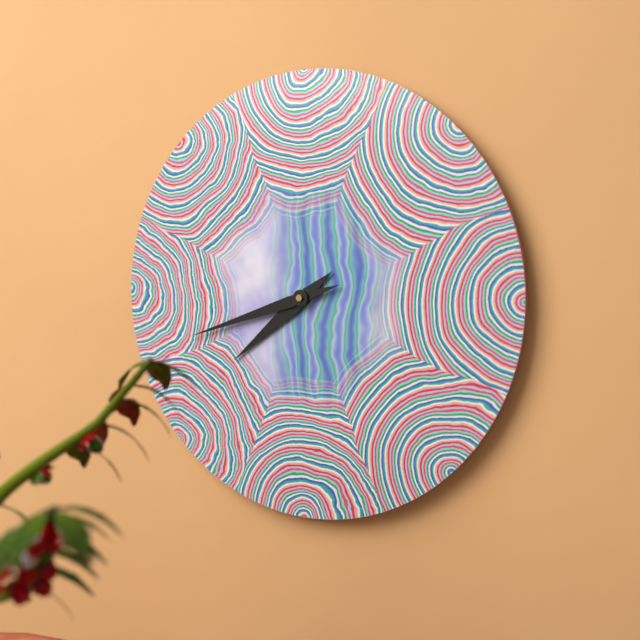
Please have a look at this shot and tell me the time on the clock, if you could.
7:42
